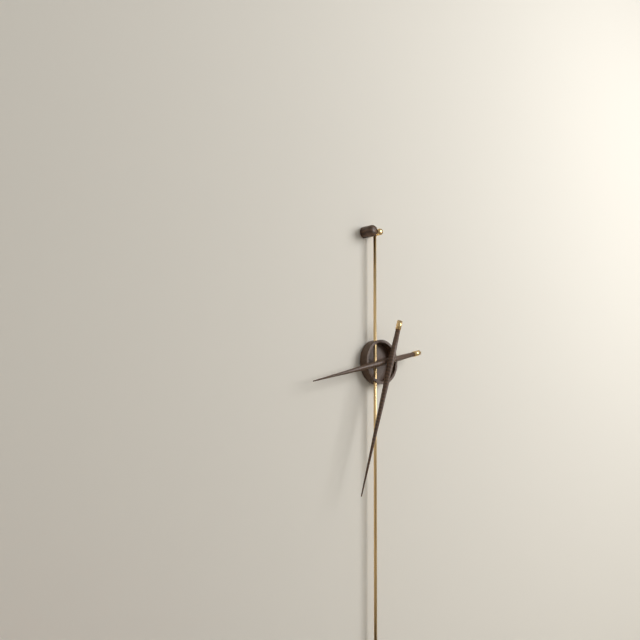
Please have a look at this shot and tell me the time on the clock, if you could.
8:33
